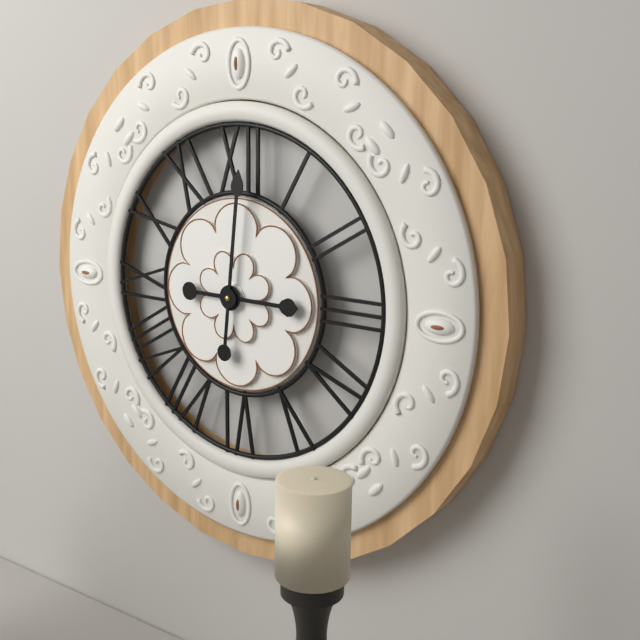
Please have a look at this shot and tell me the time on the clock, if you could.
3:01
